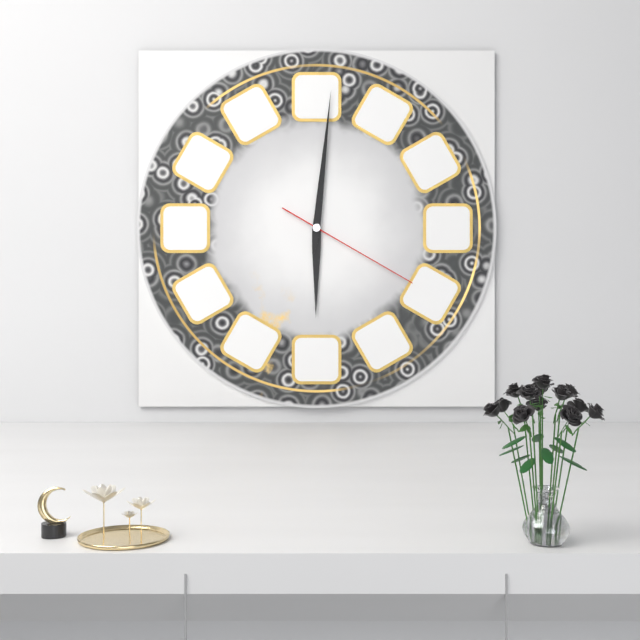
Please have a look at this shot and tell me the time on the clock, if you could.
6:01:20
